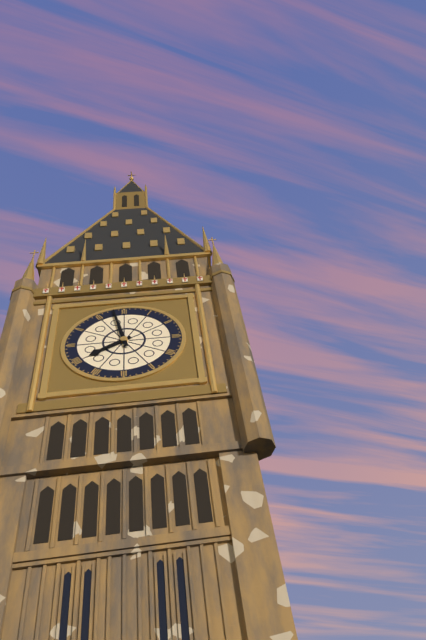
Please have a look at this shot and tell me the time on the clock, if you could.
7:58
